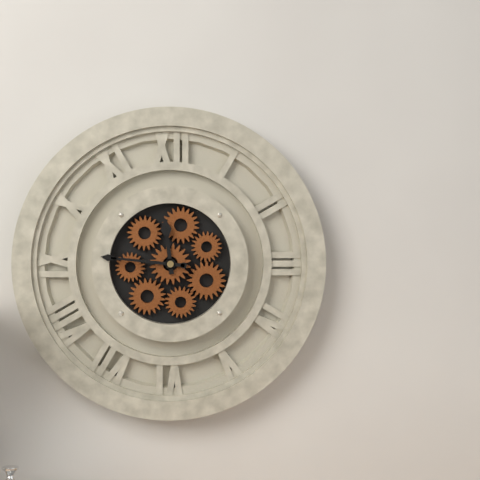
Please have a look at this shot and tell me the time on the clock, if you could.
11:46
